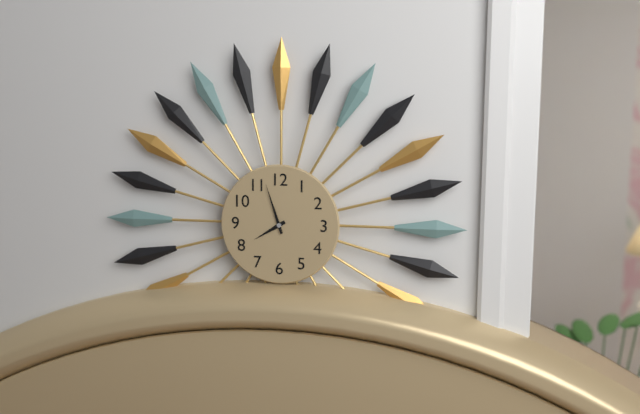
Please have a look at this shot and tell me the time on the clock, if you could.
7:57
